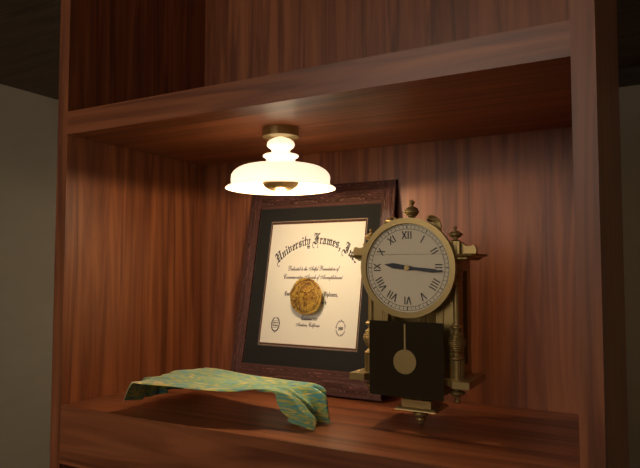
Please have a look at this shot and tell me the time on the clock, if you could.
9:16
